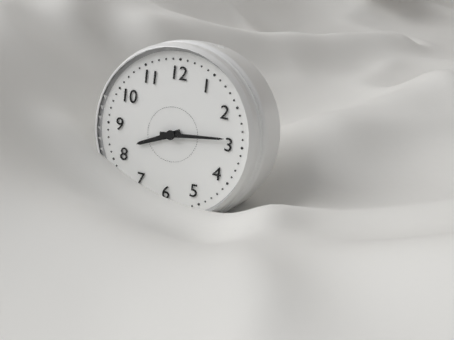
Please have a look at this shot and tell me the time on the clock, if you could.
8:14
